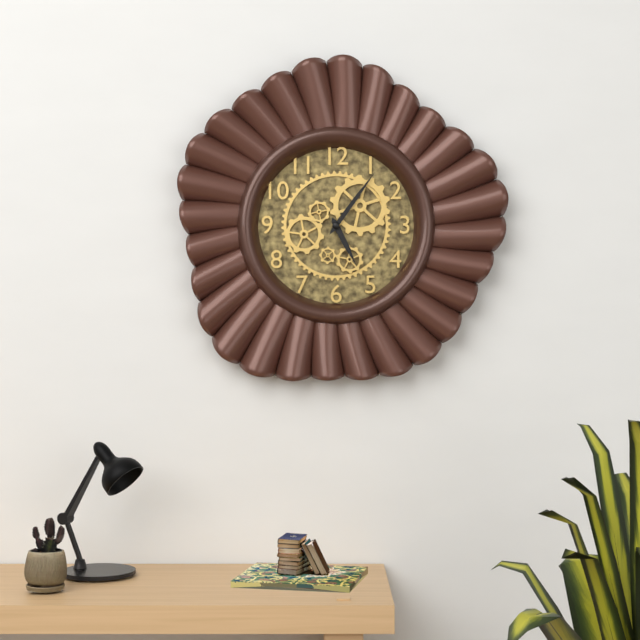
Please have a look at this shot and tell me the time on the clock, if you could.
5:06
